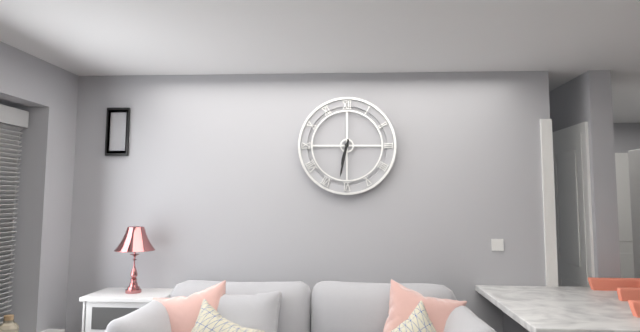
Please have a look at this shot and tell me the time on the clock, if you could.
6:32
